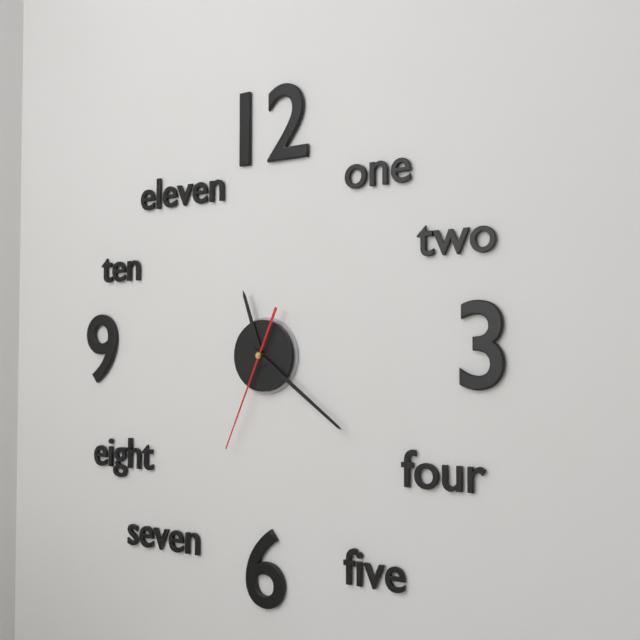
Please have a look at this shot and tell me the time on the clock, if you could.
11:21:34
